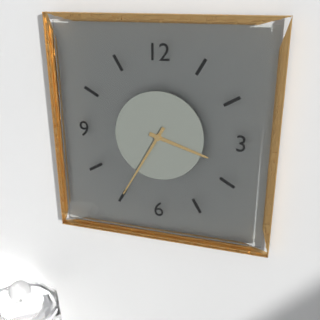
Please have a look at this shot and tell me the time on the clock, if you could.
3:35
